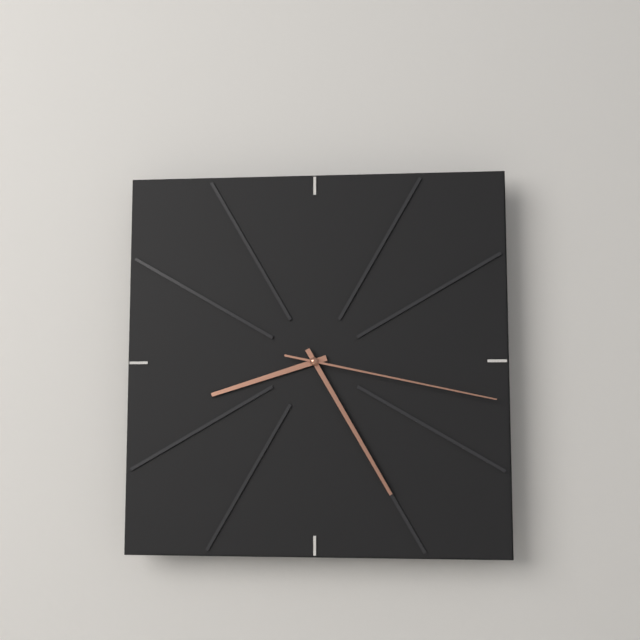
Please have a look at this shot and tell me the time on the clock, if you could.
8:25:17
